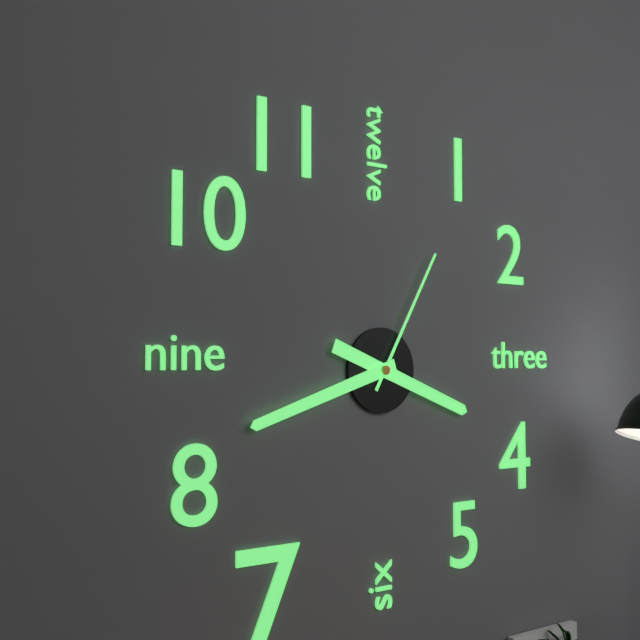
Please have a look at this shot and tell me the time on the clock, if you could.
3:42:05
